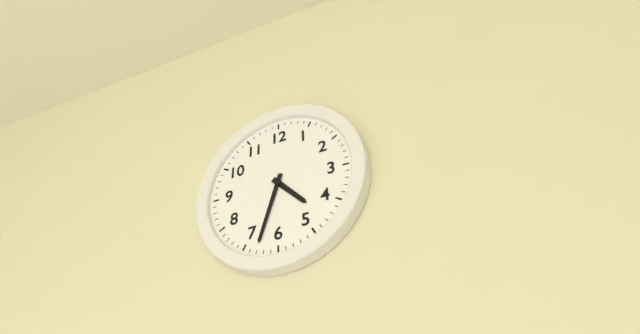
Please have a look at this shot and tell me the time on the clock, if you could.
4:33
